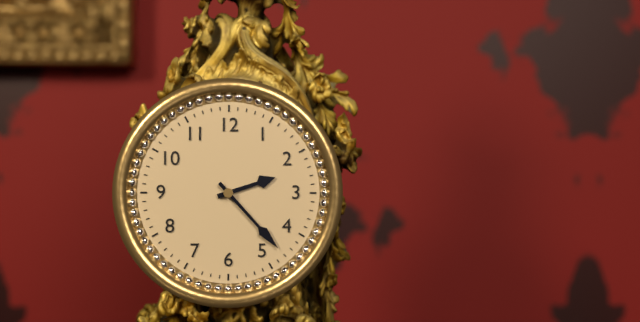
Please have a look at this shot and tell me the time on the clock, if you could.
2:23
